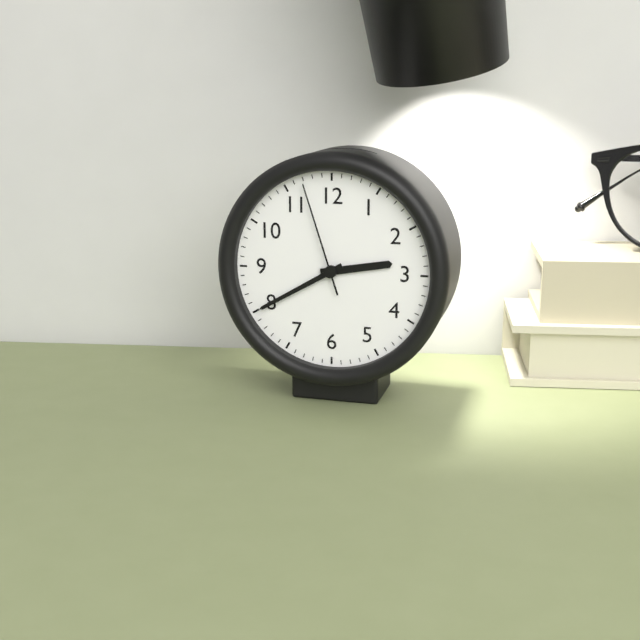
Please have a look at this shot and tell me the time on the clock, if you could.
2:40:57
